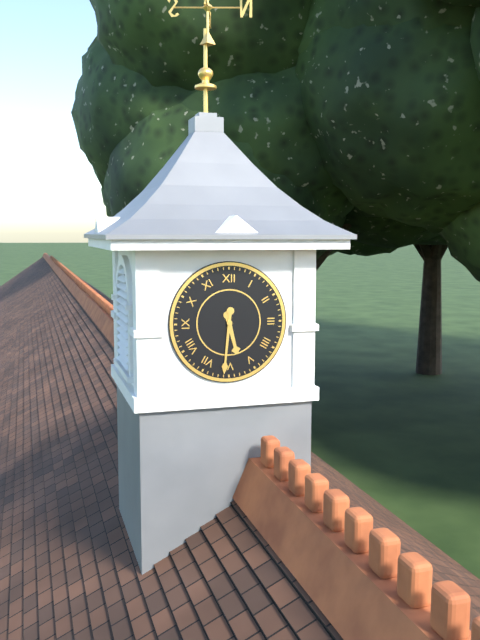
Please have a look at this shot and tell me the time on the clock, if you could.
5:31
